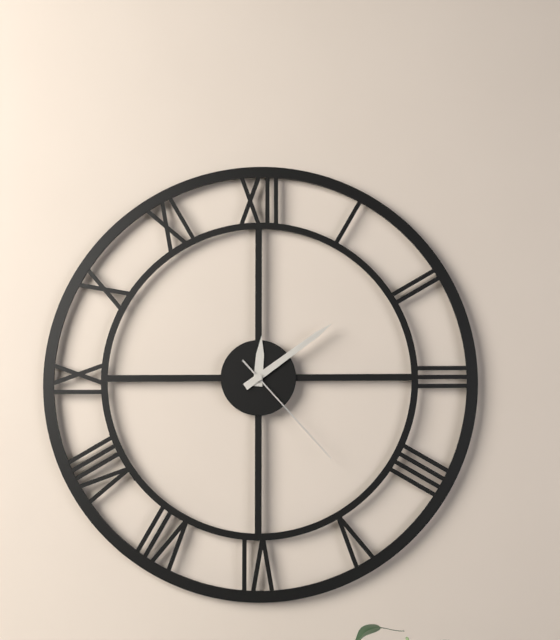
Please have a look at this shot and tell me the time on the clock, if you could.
12:09:23
